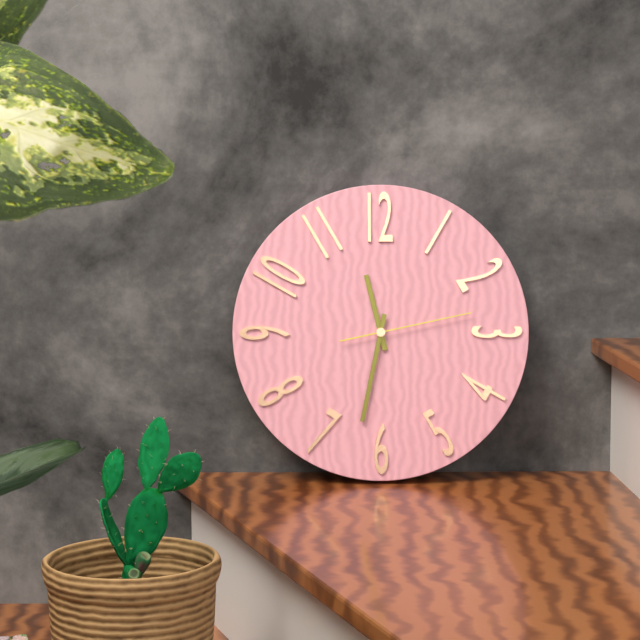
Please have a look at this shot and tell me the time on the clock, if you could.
11:32:13
